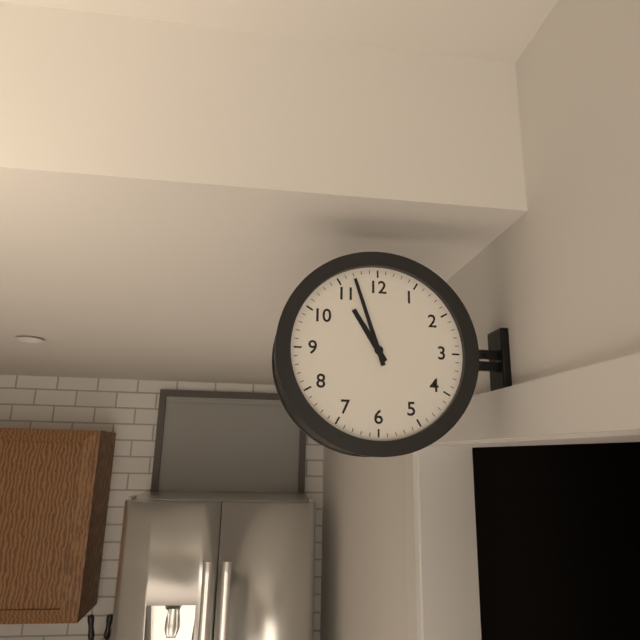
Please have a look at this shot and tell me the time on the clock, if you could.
10:57
